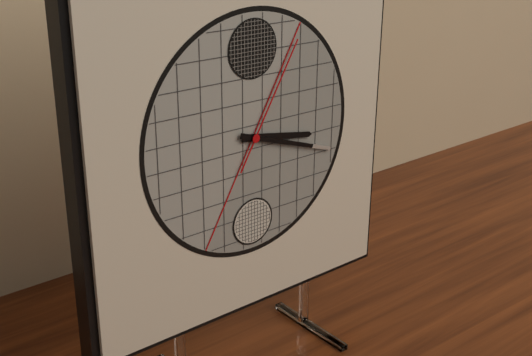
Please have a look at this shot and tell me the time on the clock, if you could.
3:18:05
